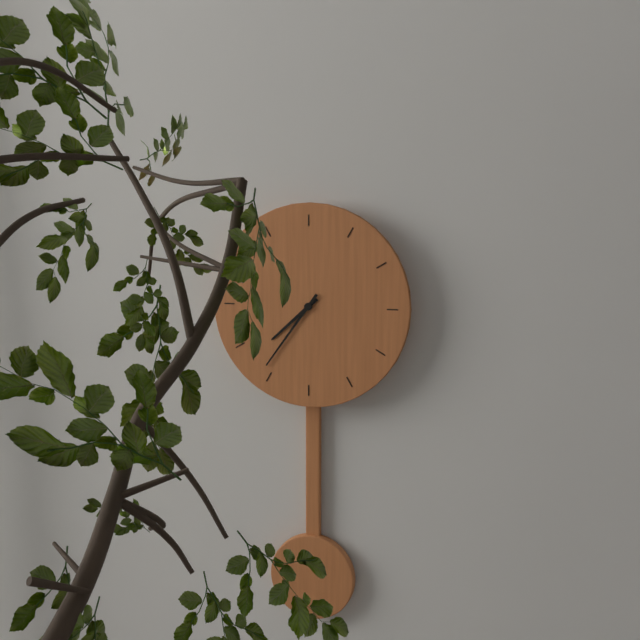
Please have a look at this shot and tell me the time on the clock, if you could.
7:36
